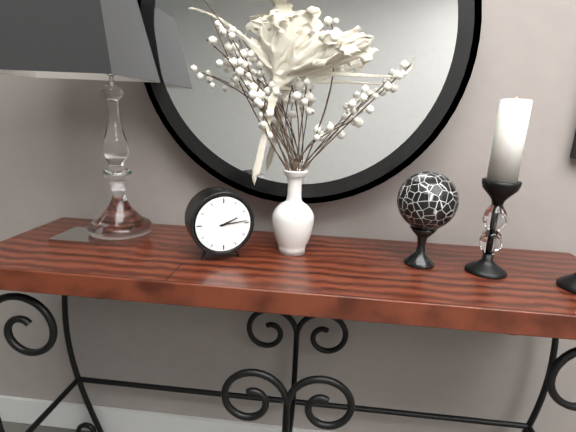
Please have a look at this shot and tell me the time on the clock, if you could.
2:14
